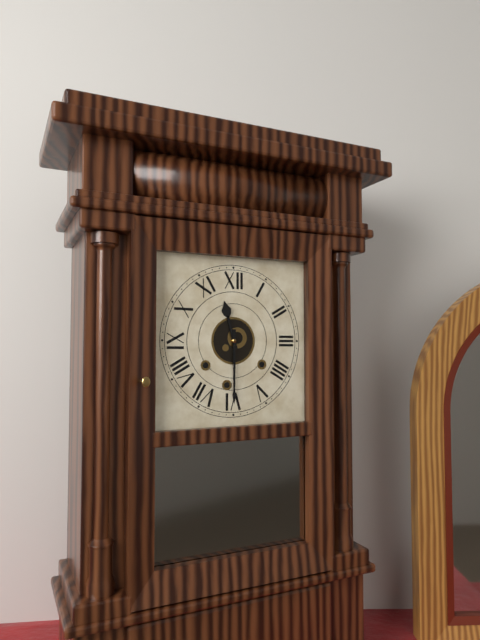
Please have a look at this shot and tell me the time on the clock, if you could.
11:30
